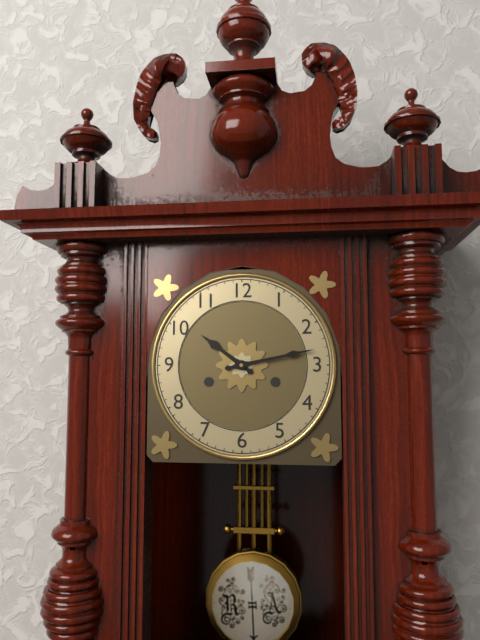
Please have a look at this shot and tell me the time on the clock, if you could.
10:13
